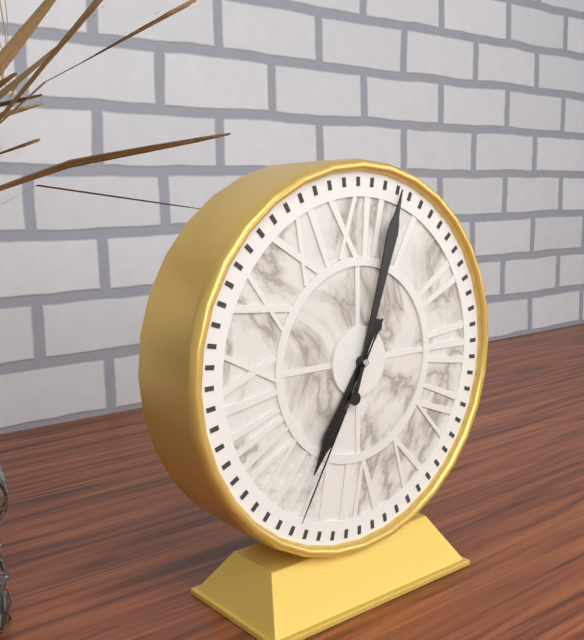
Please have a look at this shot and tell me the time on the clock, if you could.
7:03:35
